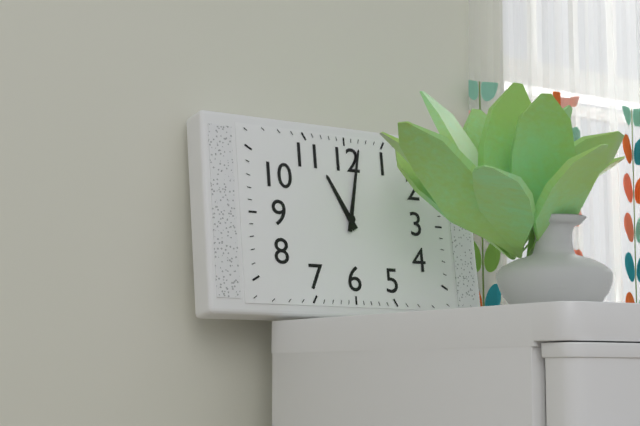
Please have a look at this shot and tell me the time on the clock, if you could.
11:02
